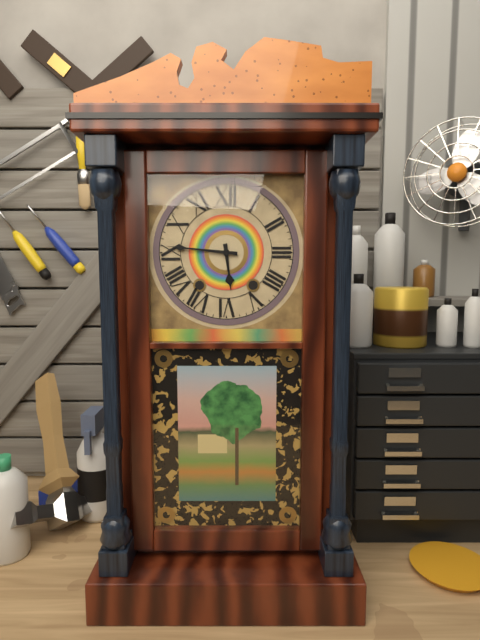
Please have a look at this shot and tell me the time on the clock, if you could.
5:46
